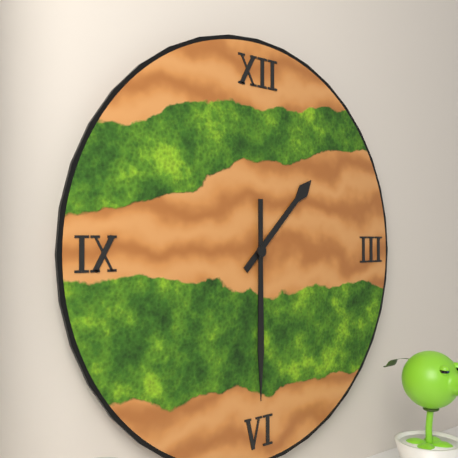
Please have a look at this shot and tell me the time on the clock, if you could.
1:30
